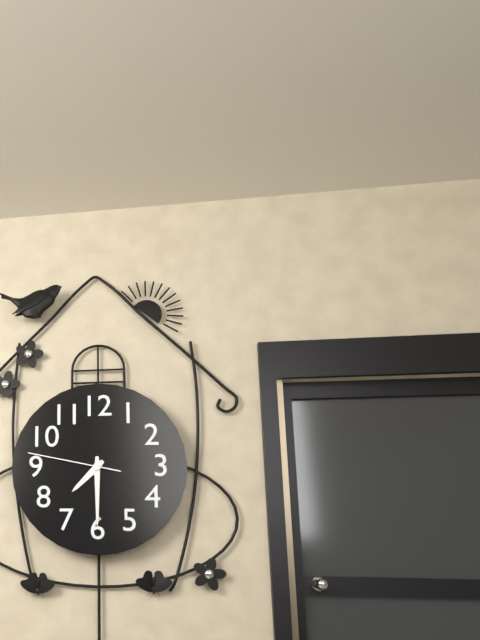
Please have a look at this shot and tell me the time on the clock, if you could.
7:30:47
